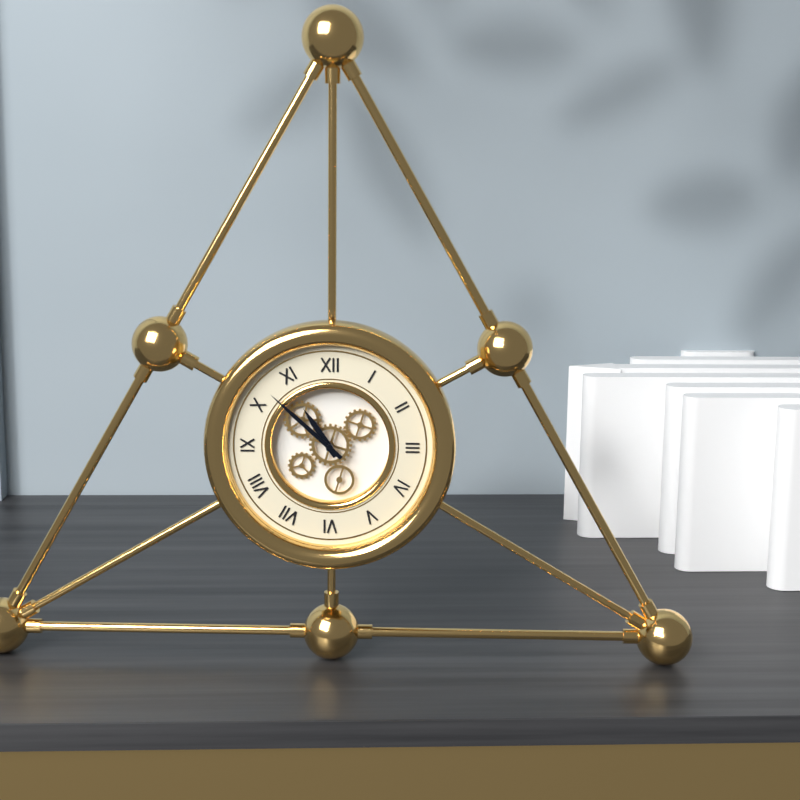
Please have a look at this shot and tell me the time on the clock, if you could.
10:52
